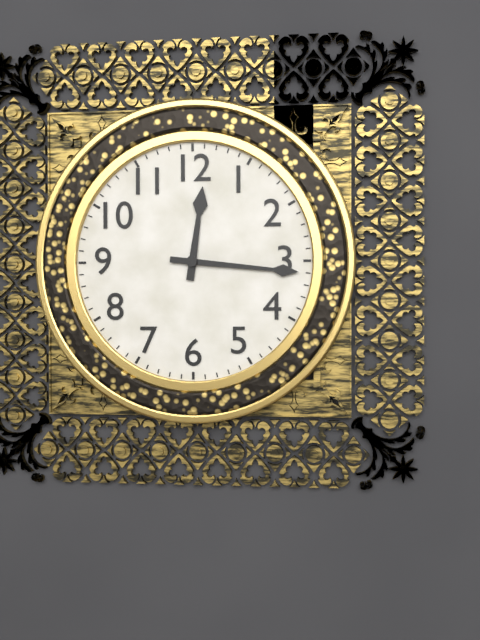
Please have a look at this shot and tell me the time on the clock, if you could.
12:16
